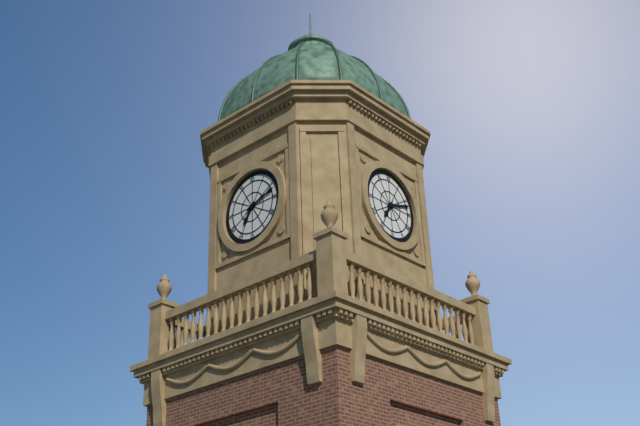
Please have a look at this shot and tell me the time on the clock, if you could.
7:12
